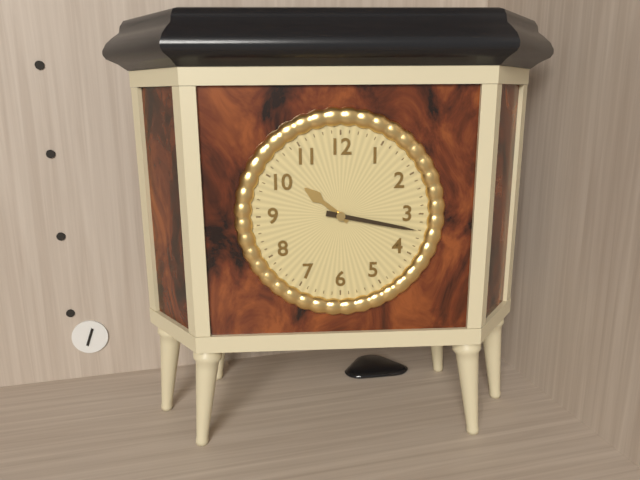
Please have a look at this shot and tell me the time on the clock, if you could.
10:17
